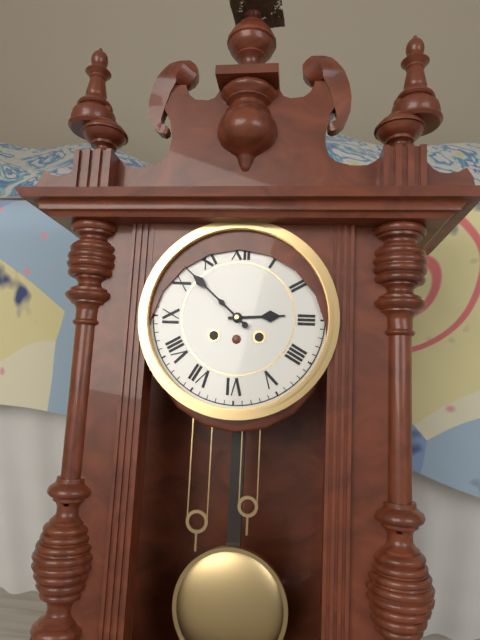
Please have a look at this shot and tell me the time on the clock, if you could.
2:52
